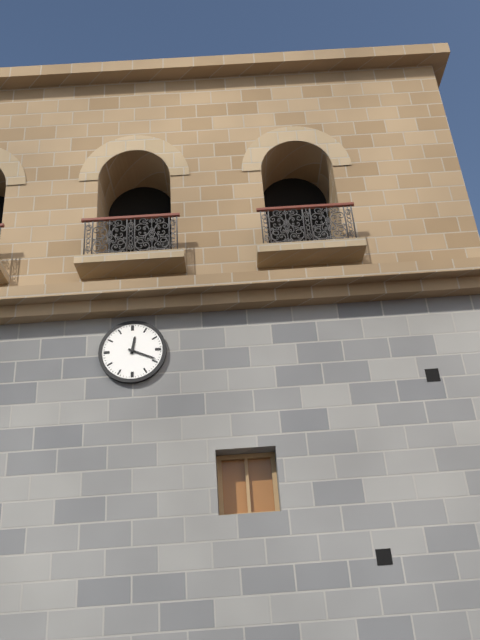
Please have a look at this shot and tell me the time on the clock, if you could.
12:19
